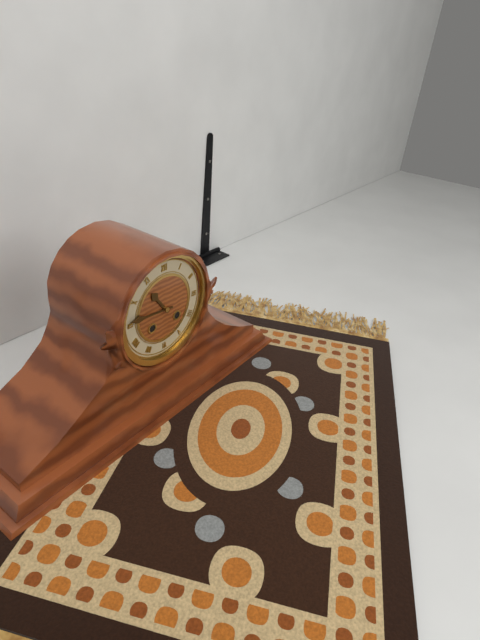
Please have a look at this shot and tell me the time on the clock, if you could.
10:46
